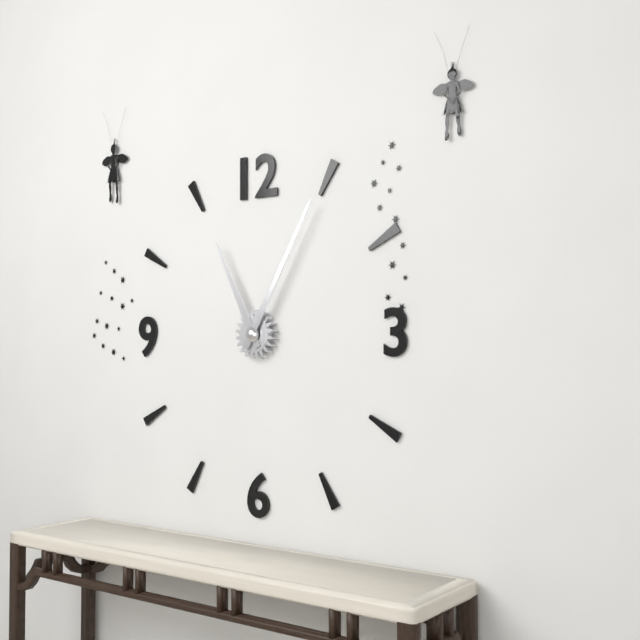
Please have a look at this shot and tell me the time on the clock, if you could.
11:05
